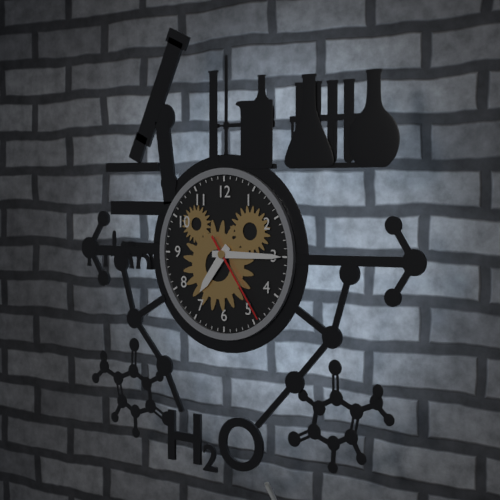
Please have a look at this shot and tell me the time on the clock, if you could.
7:15:24
